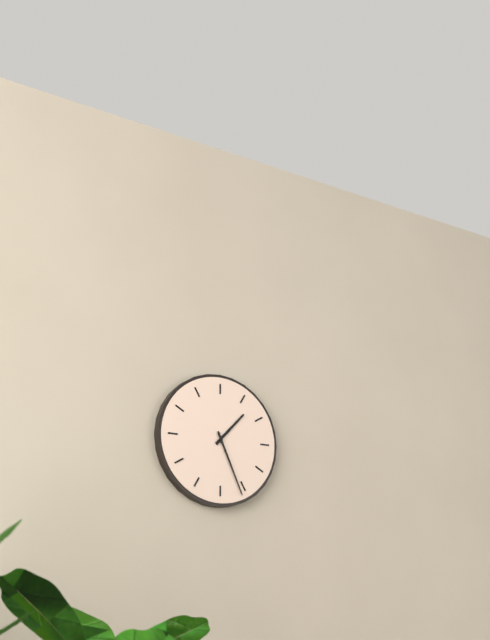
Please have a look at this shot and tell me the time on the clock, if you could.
1:26
